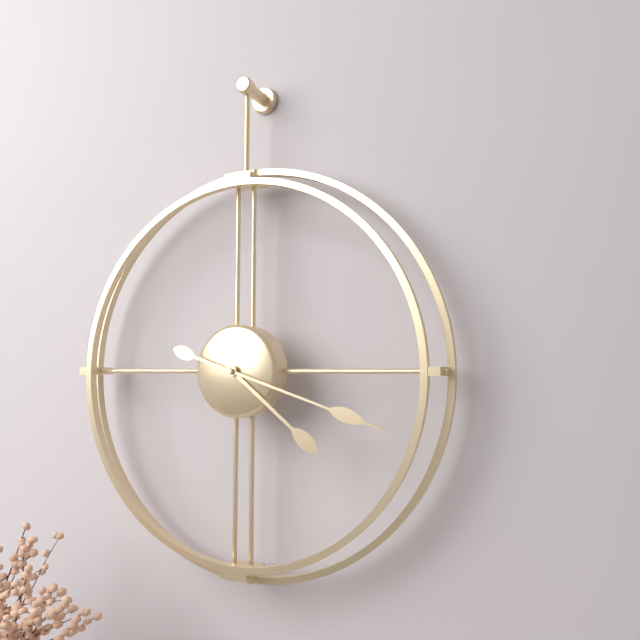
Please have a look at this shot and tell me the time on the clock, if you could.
4:18
